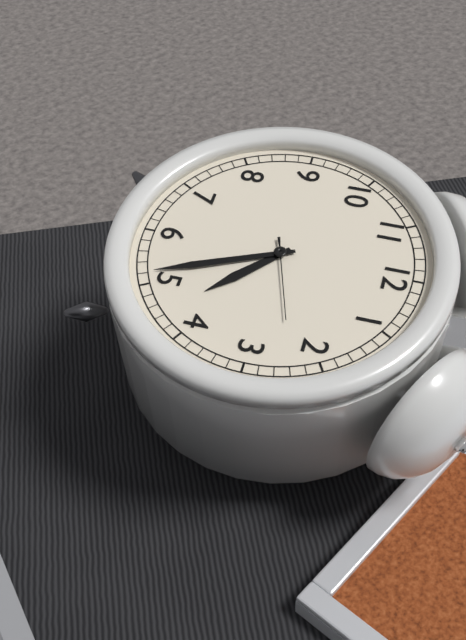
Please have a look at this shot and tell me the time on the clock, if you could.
4:26:12
